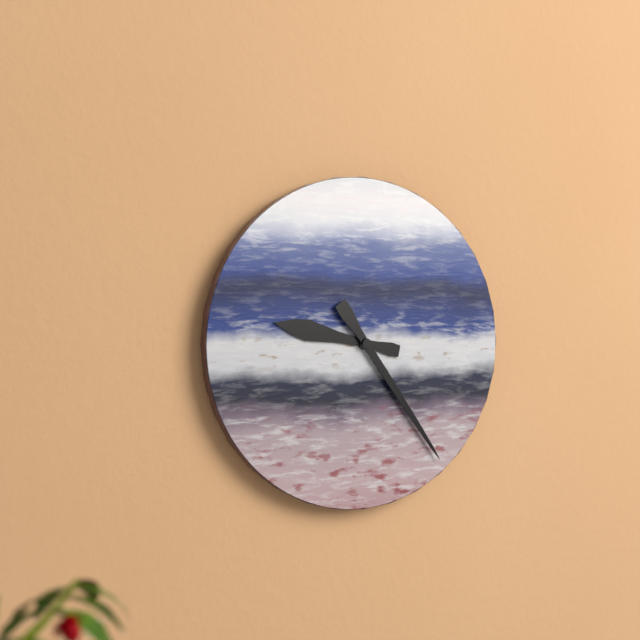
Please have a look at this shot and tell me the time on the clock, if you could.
9:24
